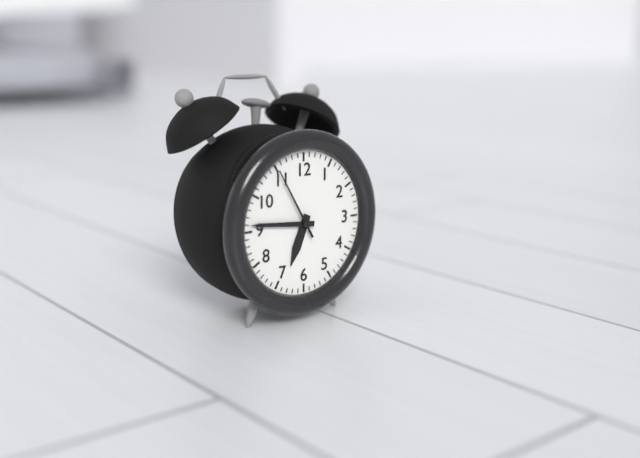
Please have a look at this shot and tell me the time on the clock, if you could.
6:46:55
